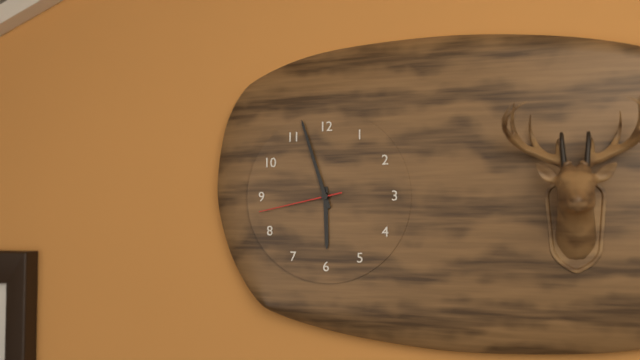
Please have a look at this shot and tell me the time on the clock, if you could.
5:57:43
